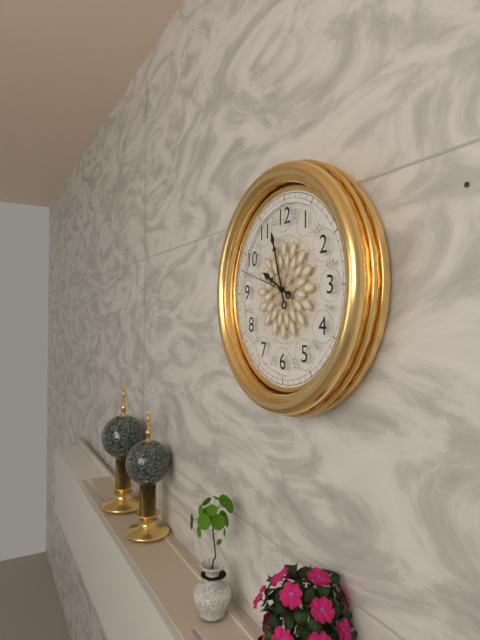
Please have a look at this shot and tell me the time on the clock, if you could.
9:57:48
